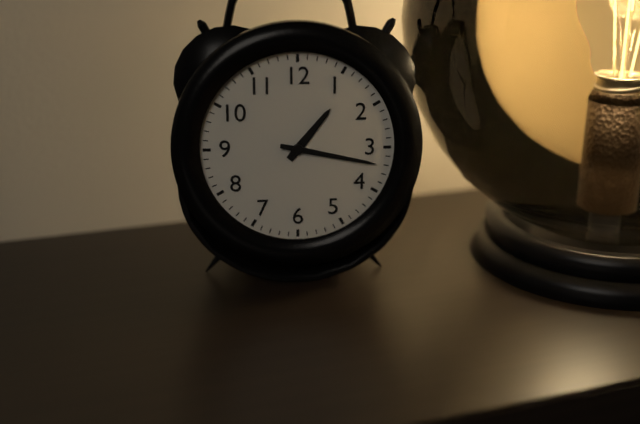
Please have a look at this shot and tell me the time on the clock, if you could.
1:17
